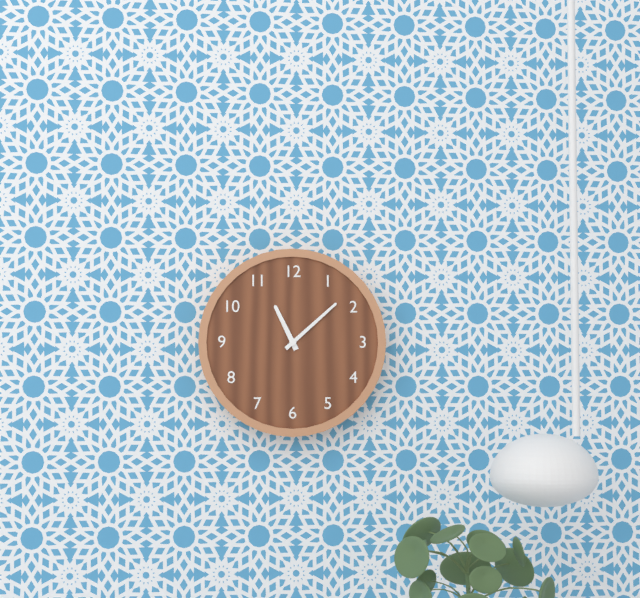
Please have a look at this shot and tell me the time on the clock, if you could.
11:08
